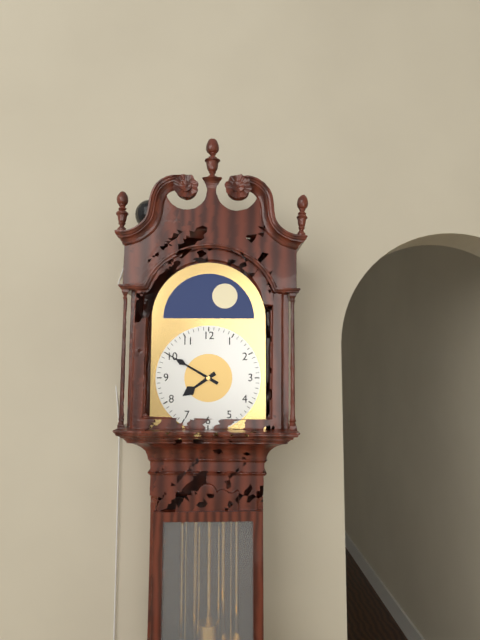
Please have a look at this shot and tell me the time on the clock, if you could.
7:50
